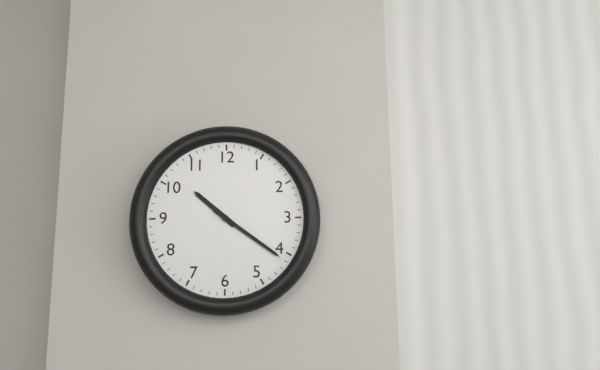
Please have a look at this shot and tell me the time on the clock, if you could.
10:21
